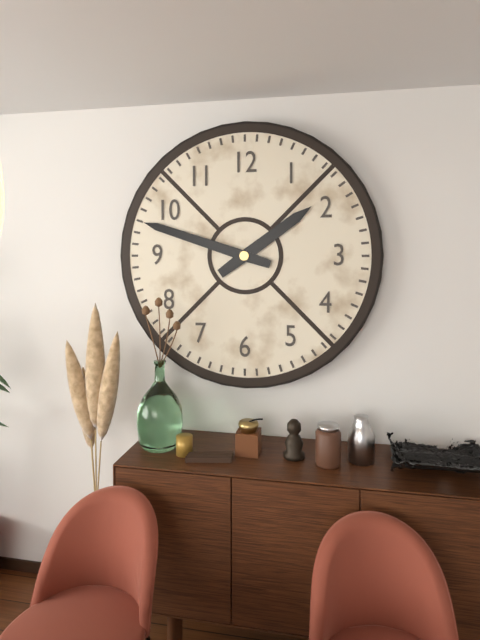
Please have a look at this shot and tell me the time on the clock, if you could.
1:48
